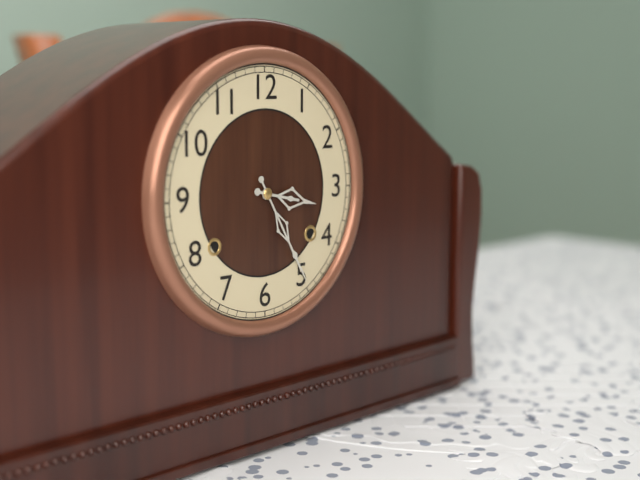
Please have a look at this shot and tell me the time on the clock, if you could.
3:25
